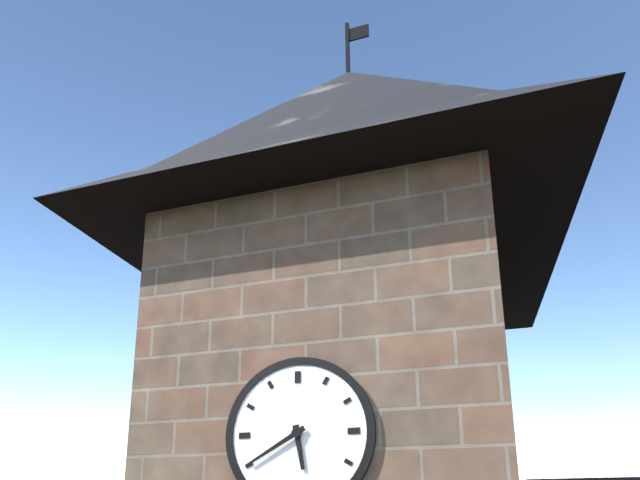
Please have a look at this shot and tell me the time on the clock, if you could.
5:40
